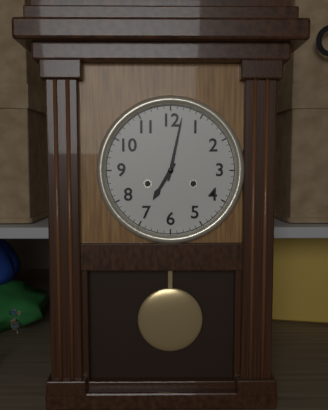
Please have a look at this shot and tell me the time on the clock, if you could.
7:02
